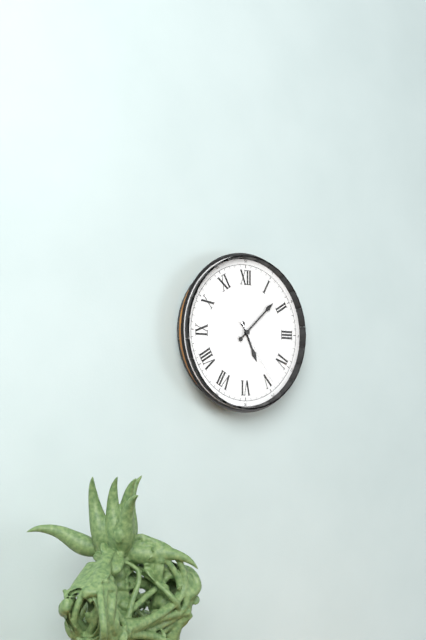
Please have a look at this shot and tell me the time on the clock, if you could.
5:08:24
